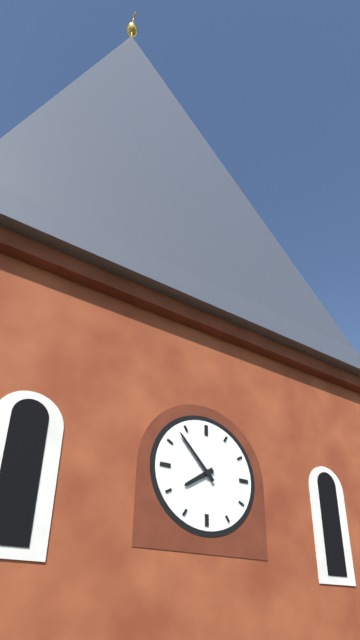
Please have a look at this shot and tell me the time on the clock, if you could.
7:53
